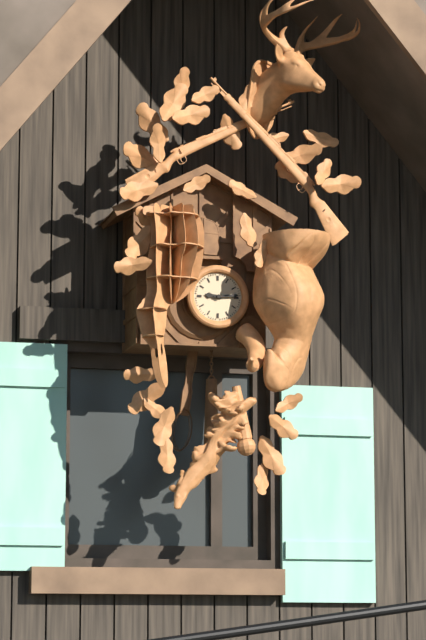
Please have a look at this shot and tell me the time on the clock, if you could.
9:14
